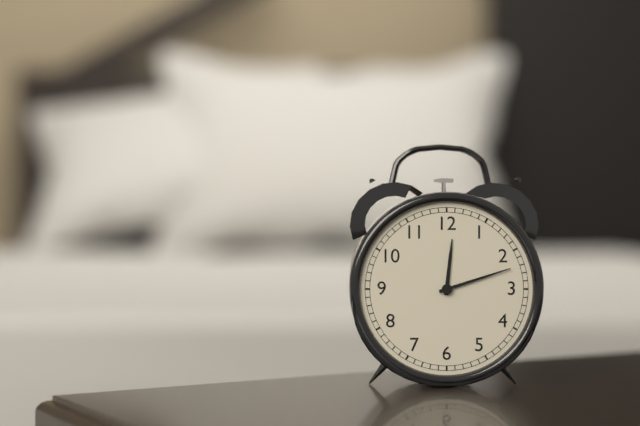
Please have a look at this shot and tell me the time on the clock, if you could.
12:12
